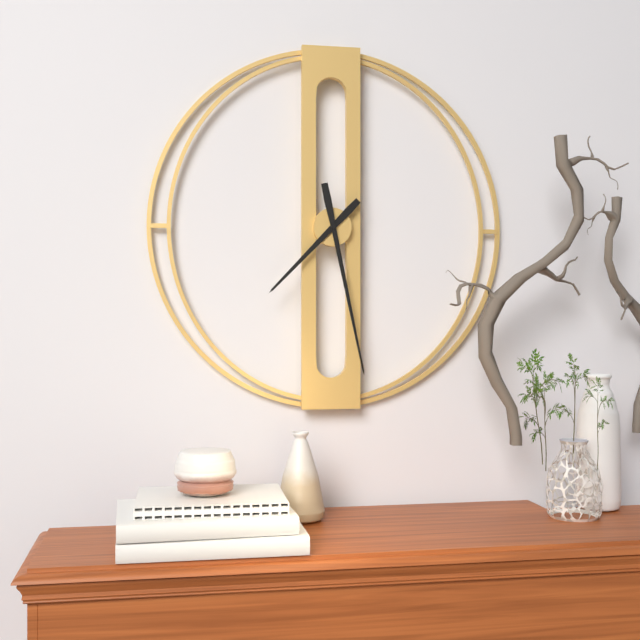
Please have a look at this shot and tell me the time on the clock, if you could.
7:28
